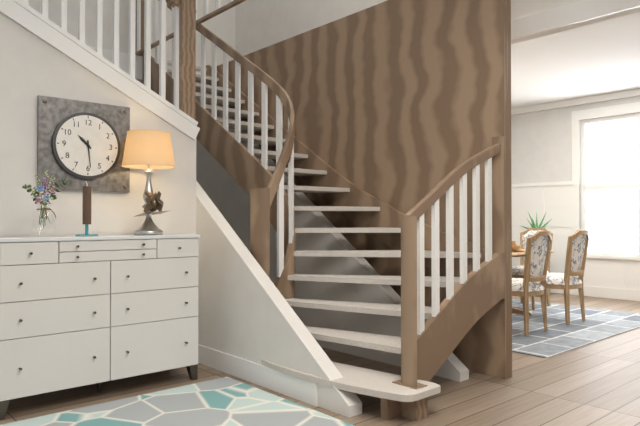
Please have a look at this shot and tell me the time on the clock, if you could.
10:29
